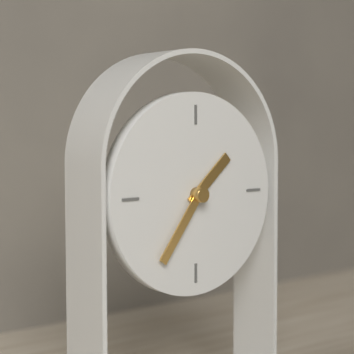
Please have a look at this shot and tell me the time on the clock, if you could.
1:36
